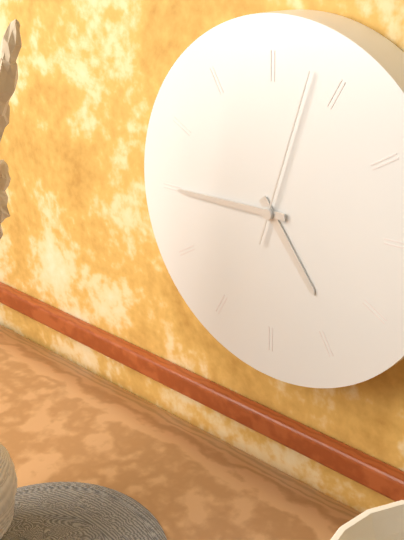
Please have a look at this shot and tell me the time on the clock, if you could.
4:45:03
